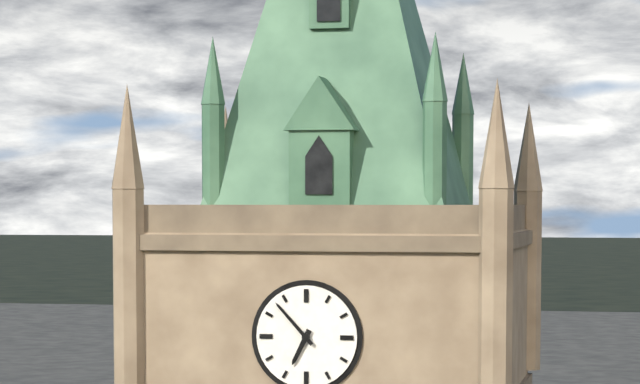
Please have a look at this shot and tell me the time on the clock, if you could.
6:53
